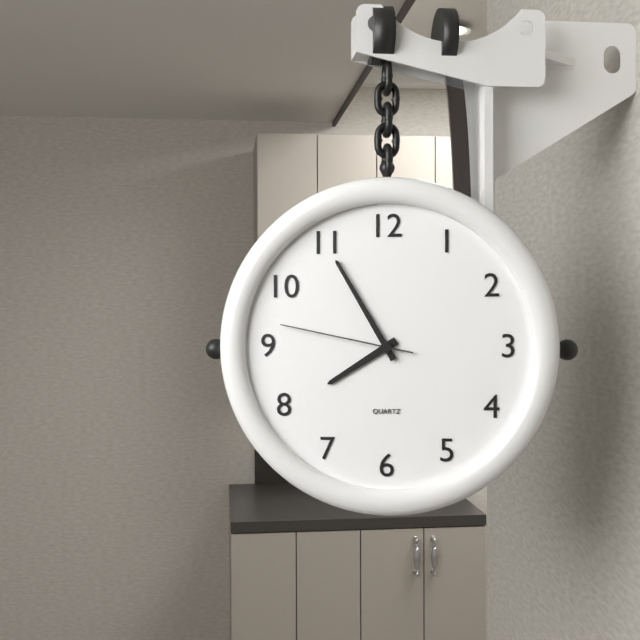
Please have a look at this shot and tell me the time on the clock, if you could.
7:55:47
